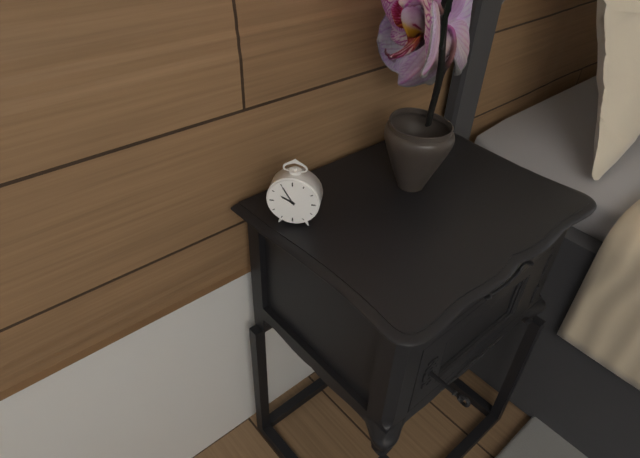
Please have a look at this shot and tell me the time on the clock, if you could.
9:55
